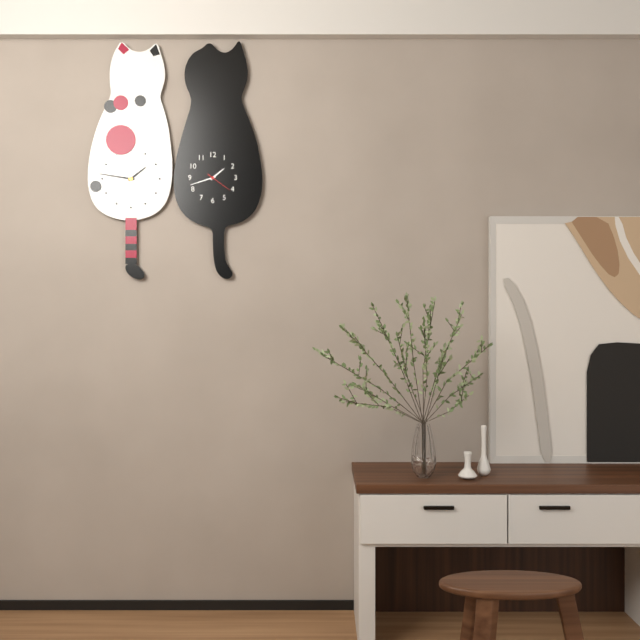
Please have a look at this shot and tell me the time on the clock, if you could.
1:42
